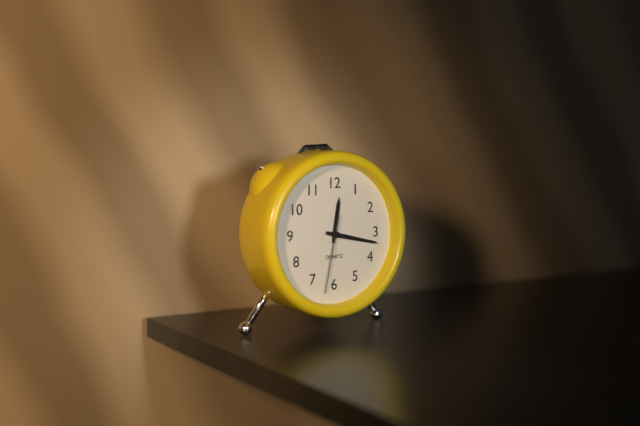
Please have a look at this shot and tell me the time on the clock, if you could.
12:17:32
